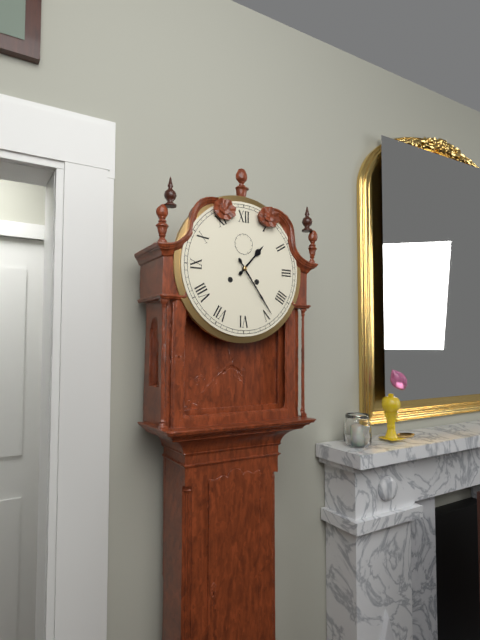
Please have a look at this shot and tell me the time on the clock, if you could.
1:24
